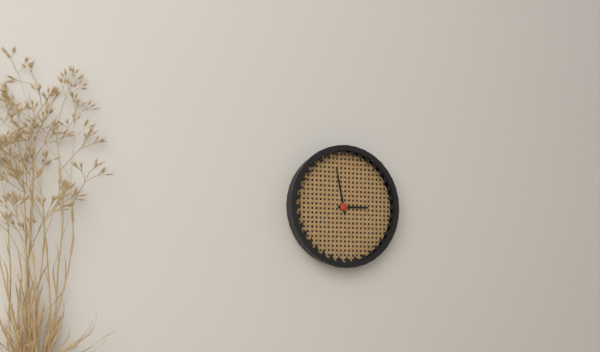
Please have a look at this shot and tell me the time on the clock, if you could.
2:58
